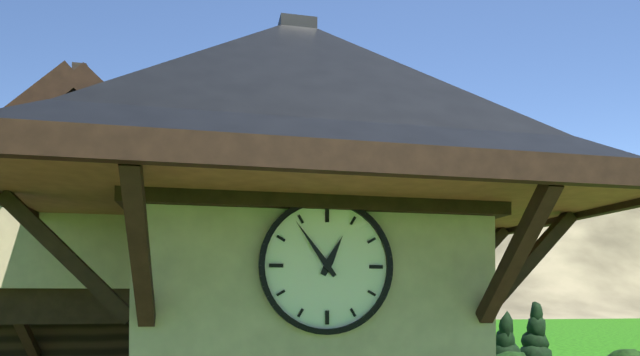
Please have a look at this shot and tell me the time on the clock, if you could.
12:54
